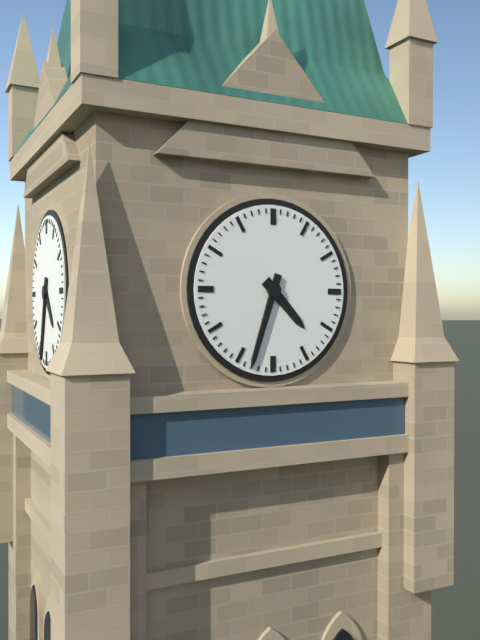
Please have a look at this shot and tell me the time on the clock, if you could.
4:33
